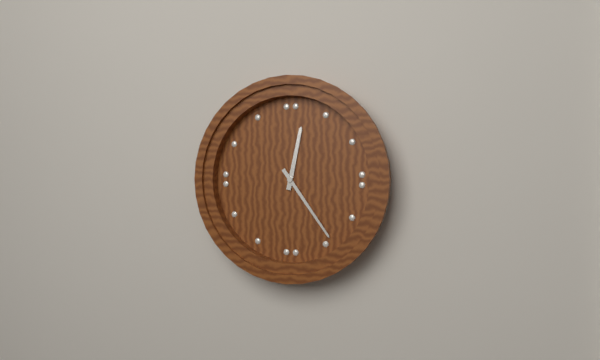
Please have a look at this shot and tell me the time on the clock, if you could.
12:24
